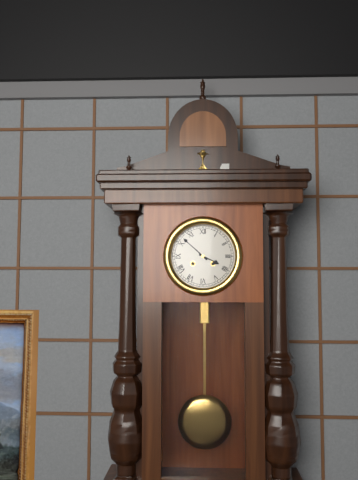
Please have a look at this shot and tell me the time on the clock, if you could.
3:52
